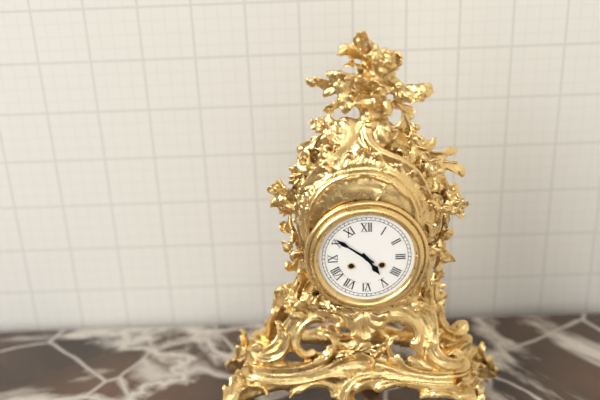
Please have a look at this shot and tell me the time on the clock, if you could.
4:51
